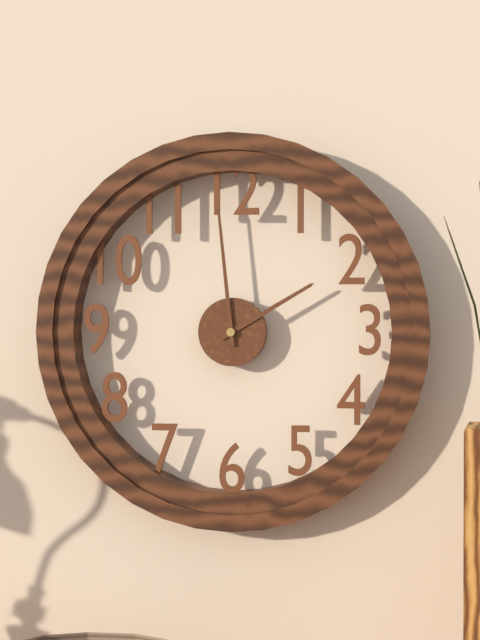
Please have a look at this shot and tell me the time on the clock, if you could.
1:59
